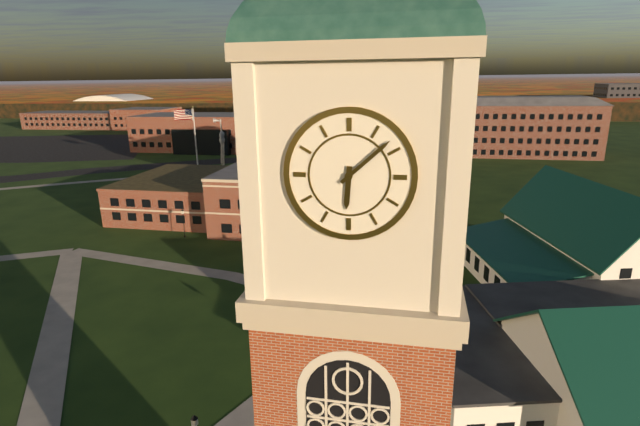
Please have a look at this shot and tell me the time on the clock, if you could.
6:08
